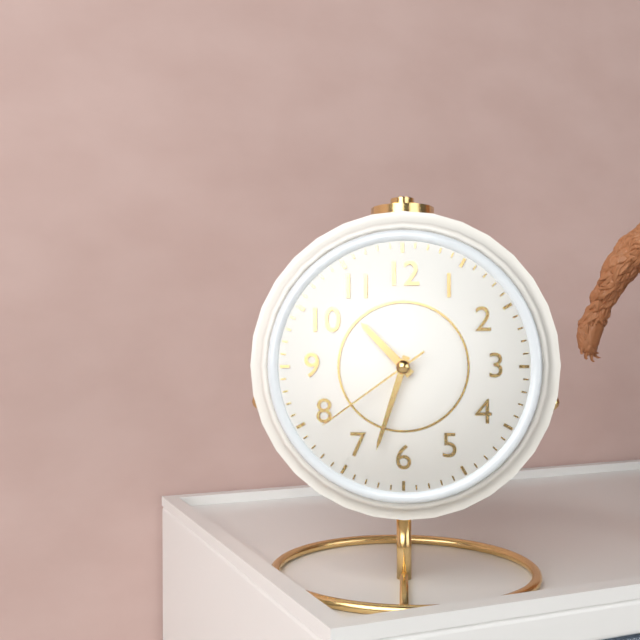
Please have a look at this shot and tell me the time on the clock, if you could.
10:33:39
